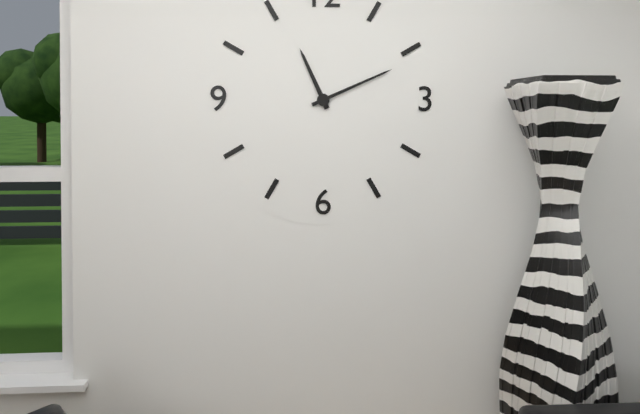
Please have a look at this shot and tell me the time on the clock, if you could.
11:11
